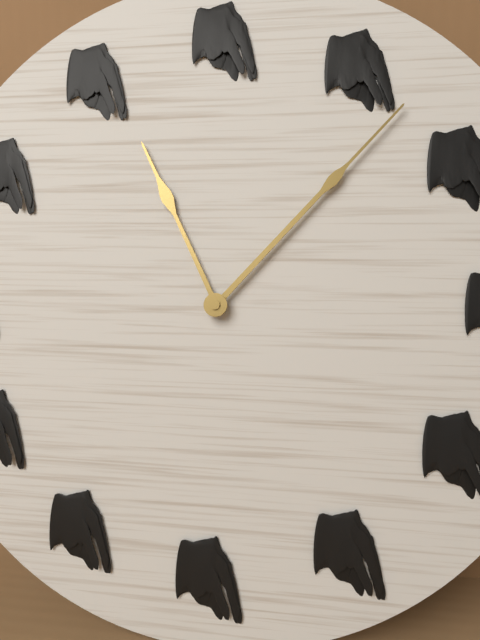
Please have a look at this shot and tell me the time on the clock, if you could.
11:07
